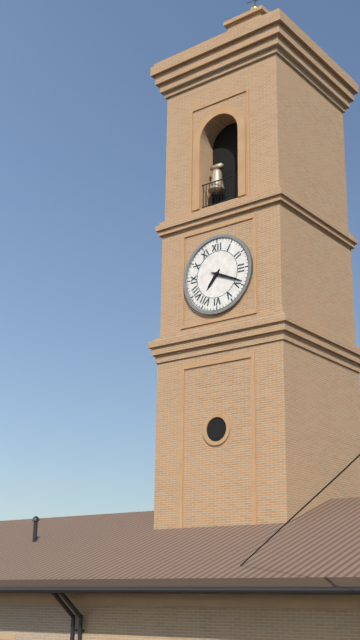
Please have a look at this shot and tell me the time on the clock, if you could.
7:19
